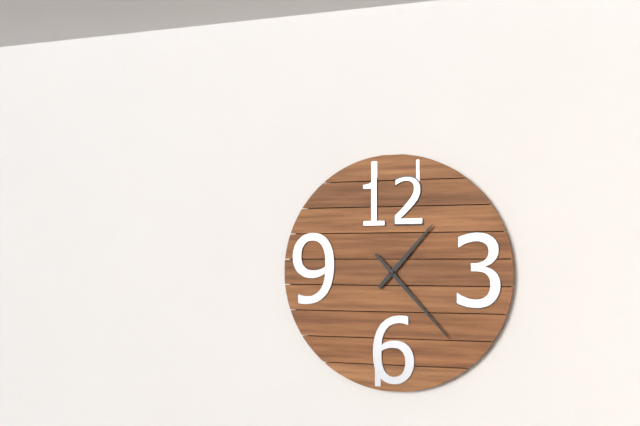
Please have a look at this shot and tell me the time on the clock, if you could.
1:23
